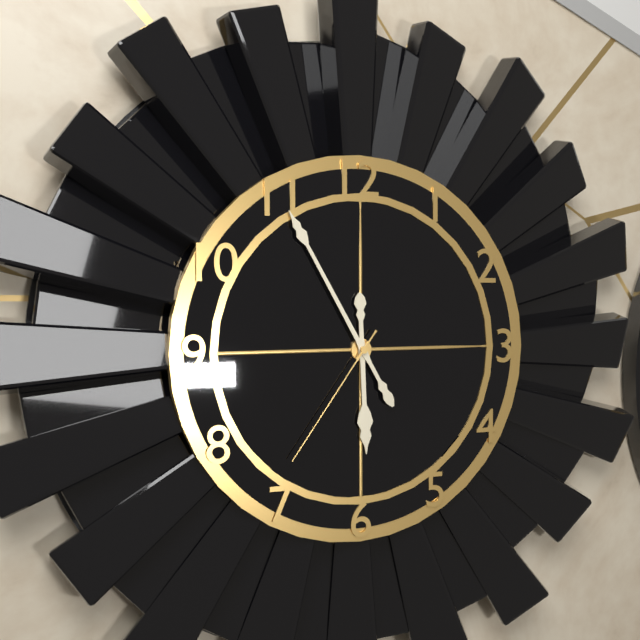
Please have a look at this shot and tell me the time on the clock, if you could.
5:55:36
